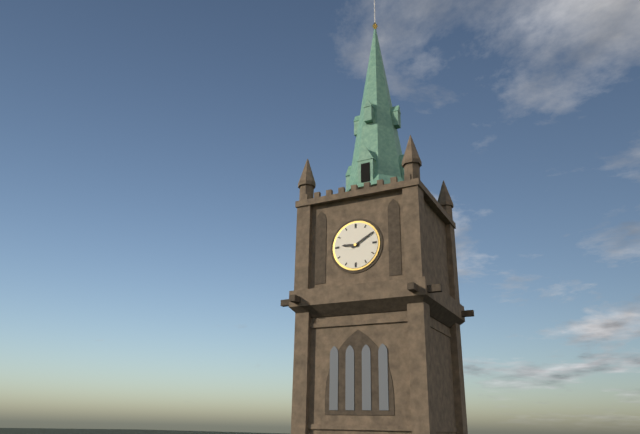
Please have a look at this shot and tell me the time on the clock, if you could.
9:10
